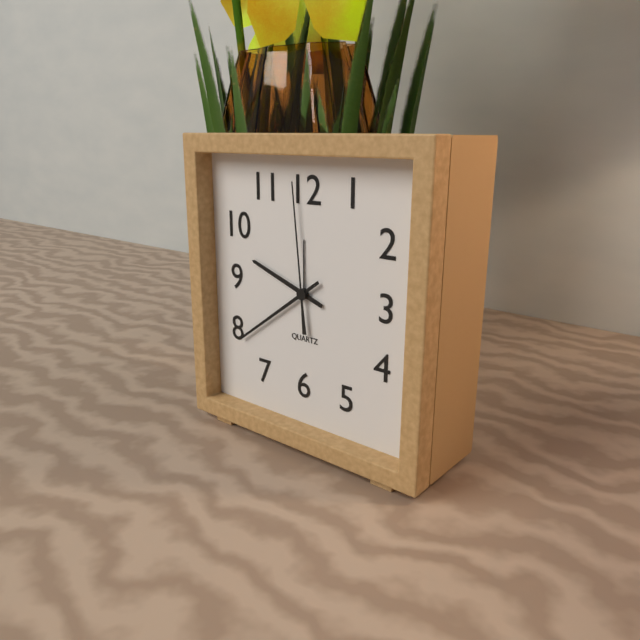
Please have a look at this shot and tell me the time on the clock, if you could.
9:39:59
